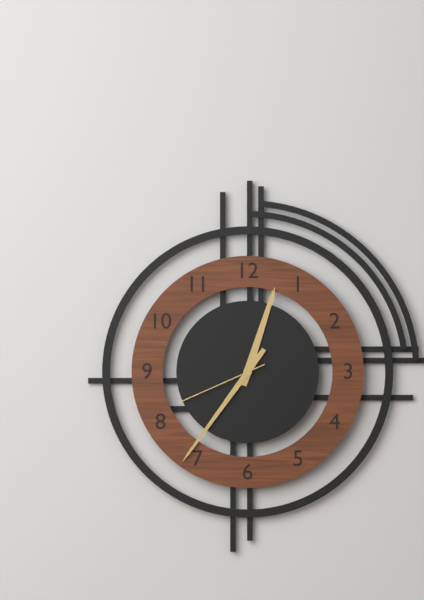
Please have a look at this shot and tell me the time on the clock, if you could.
12:36:41
